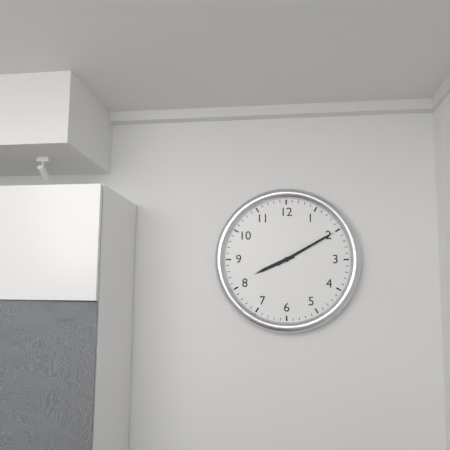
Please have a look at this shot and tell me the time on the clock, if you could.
8:10
